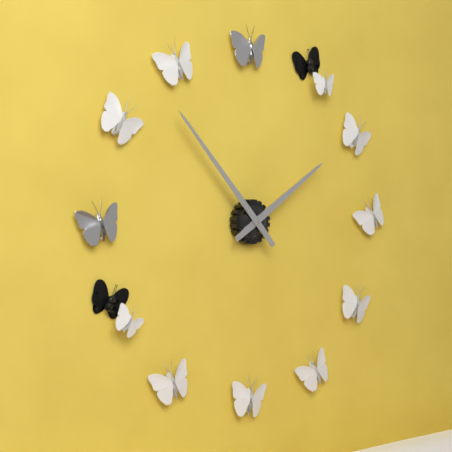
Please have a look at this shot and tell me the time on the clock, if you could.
1:53
